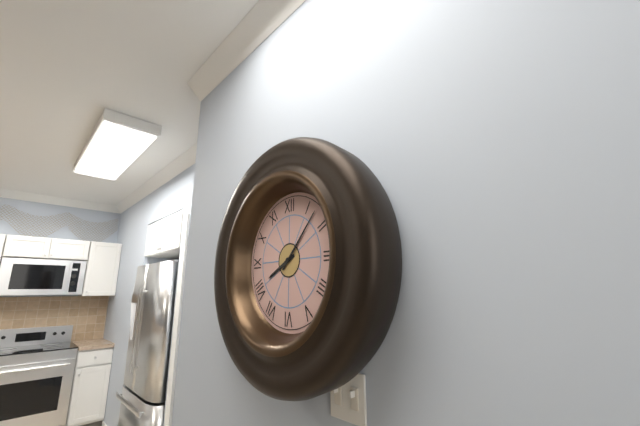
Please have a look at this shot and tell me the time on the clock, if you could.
8:07
